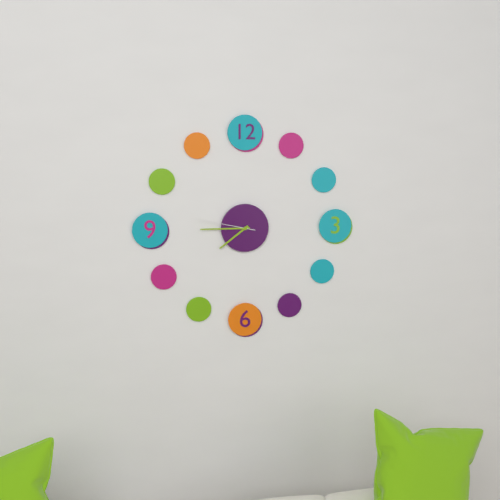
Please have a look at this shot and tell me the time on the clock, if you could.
7:45:47
